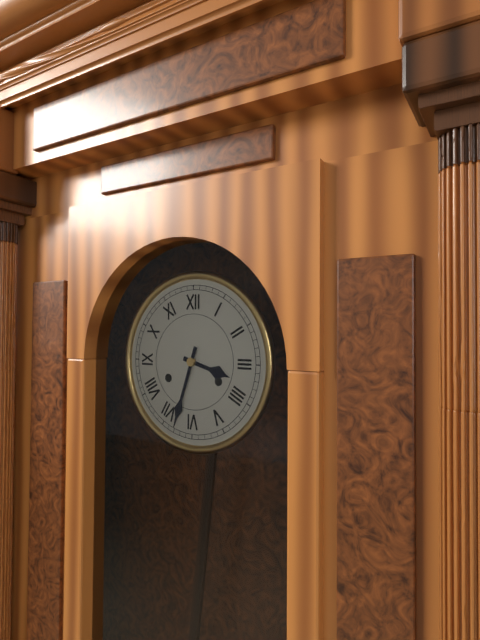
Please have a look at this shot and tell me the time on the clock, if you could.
3:33
